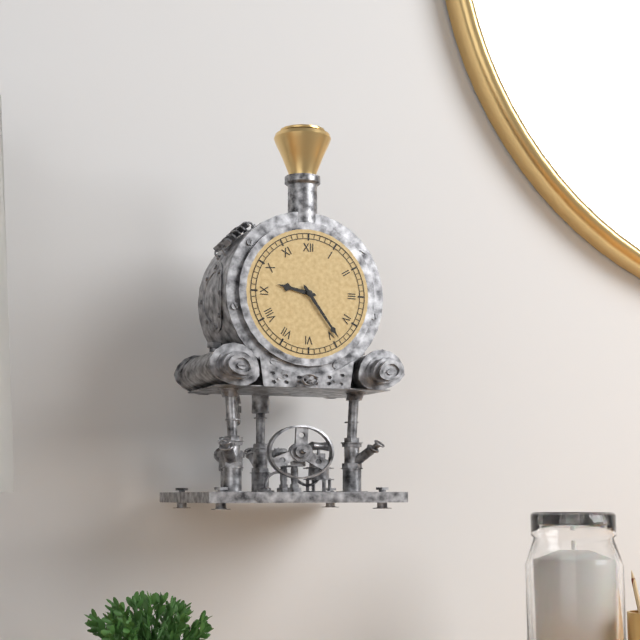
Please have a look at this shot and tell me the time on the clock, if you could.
9:24
